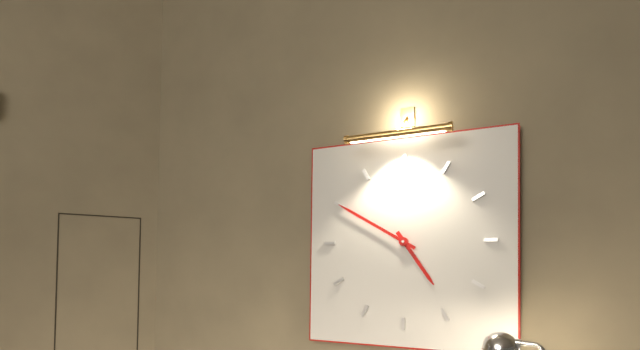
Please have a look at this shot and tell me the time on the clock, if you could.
4:50
